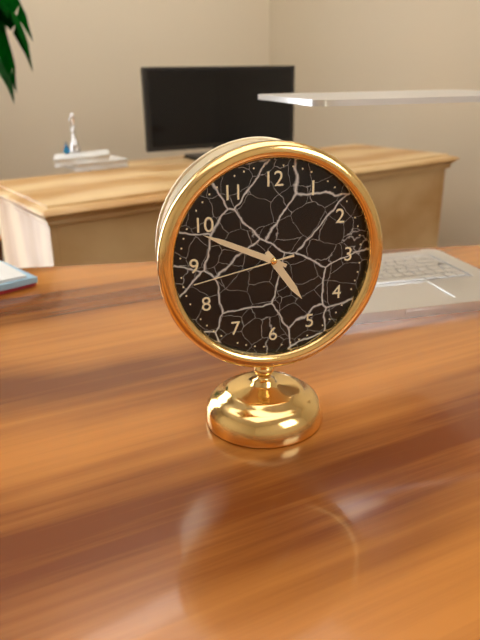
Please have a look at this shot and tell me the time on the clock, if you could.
4:49:43
